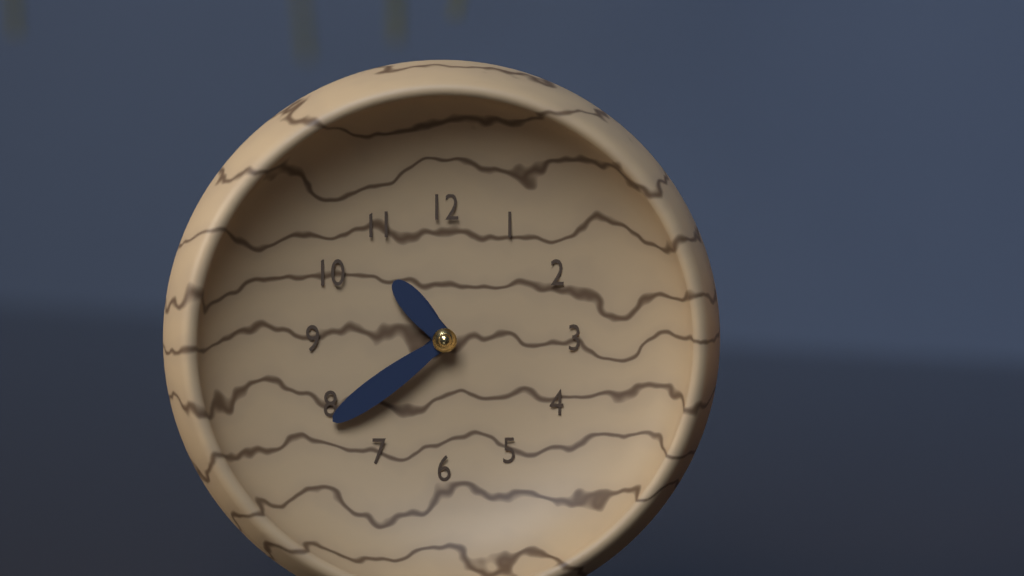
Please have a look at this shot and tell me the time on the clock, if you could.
10:39
